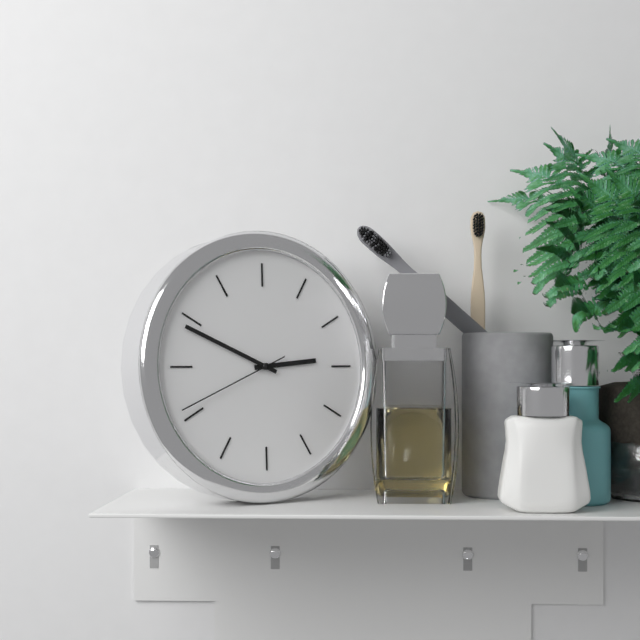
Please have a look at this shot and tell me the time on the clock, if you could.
2:49:41
